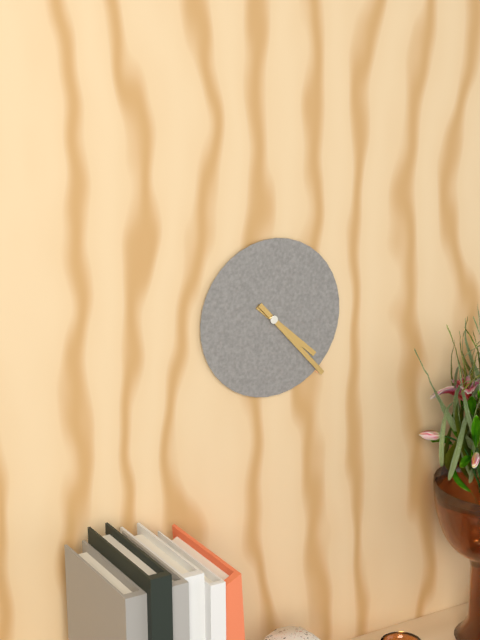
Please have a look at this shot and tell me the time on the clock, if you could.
4:23
